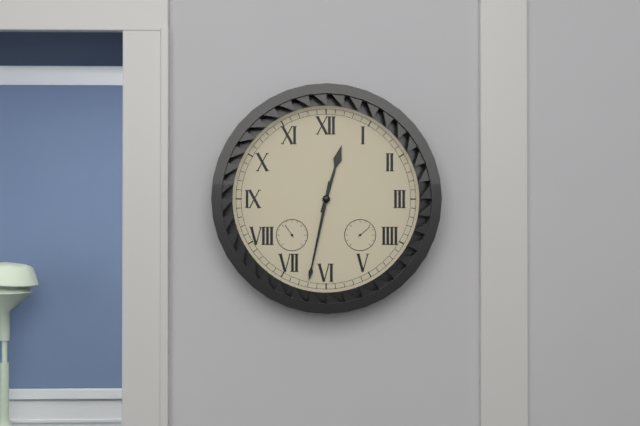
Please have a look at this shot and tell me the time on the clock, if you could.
12:32
